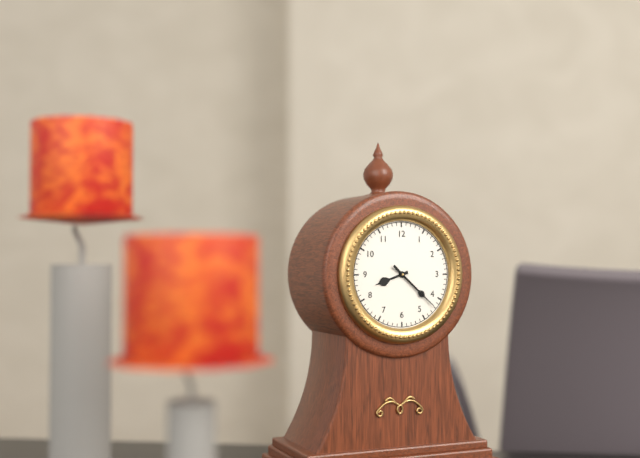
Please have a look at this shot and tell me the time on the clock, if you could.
8:22:22
